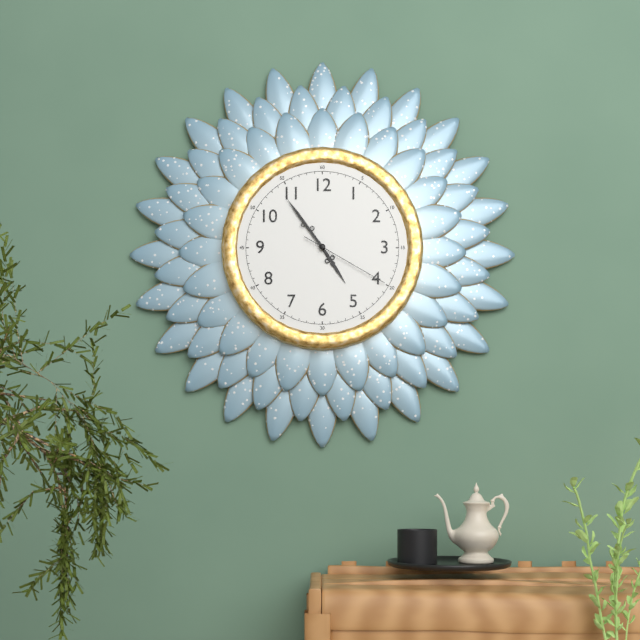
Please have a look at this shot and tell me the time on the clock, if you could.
4:54:20
